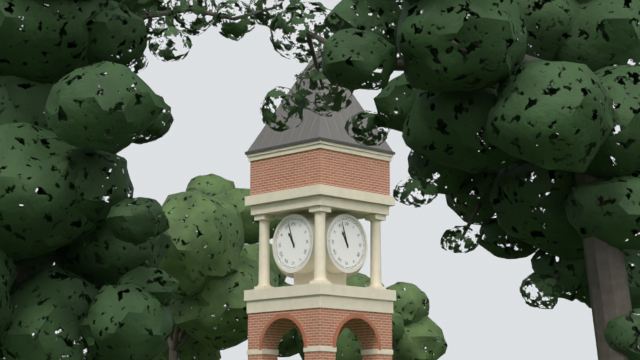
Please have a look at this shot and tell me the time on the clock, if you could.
10:57
